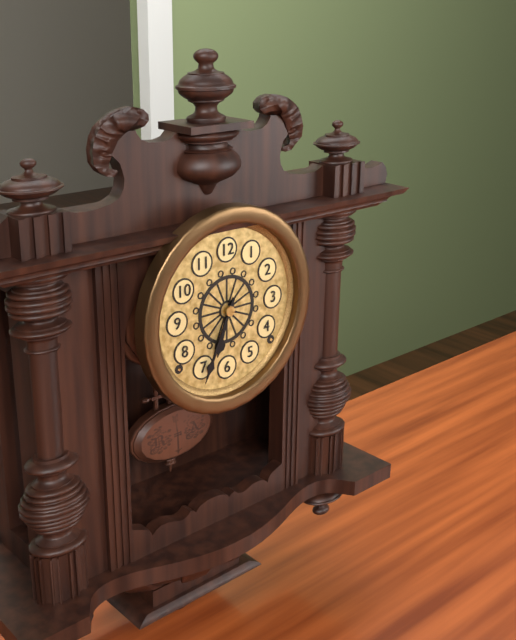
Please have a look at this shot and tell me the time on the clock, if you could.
6:34
